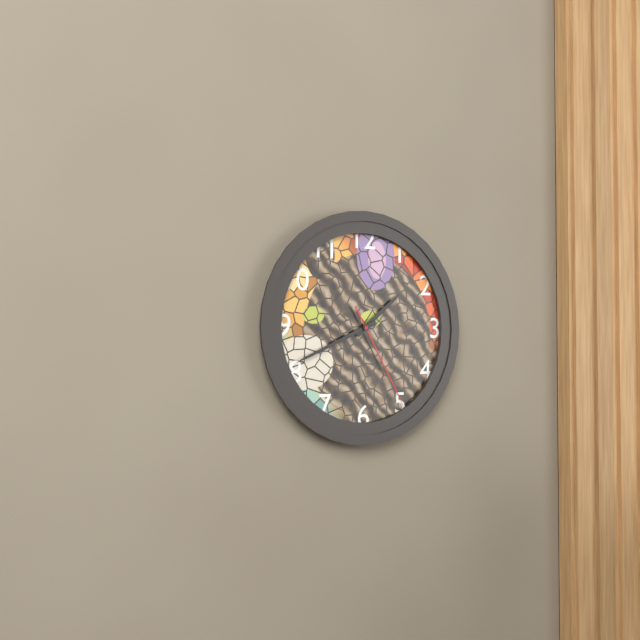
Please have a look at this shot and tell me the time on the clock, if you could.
1:41:25
